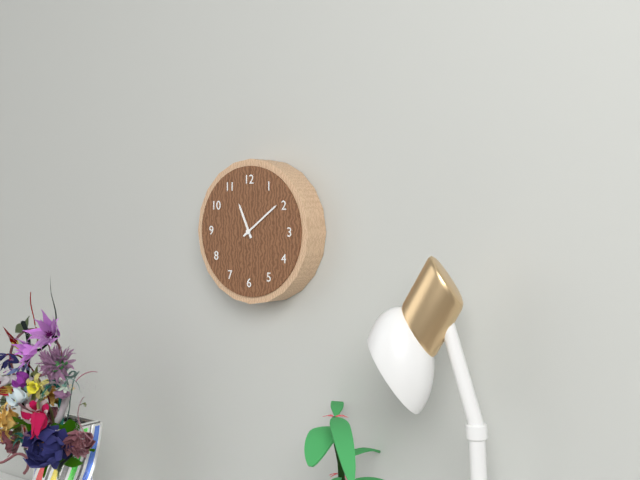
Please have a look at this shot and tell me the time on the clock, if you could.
11:09
